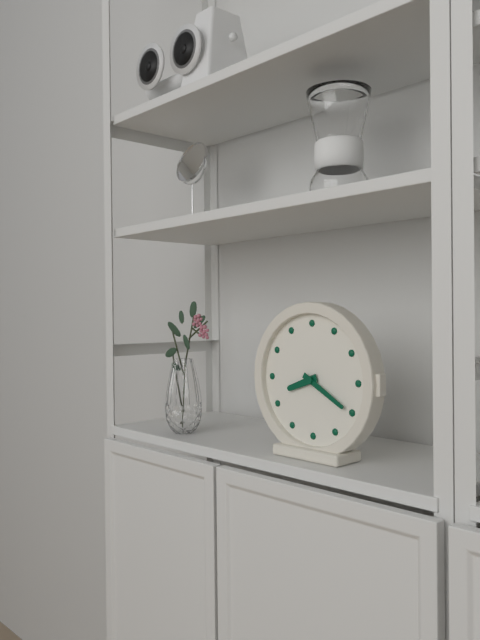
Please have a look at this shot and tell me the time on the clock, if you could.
8:20
